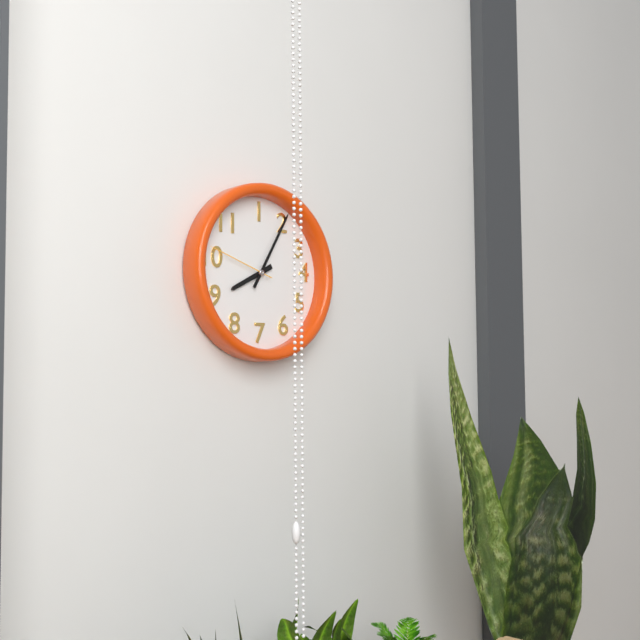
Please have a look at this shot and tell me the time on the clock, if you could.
8:05:48
